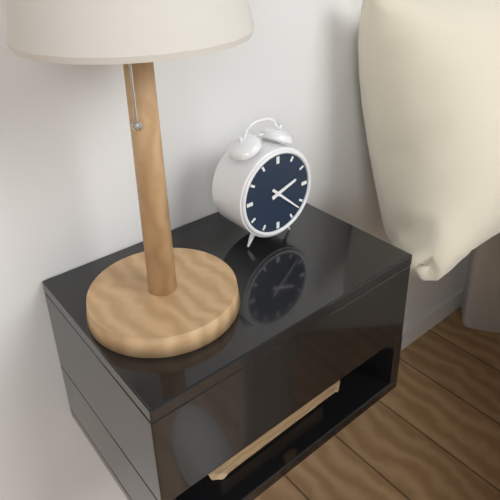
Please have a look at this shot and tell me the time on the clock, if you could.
2:22
